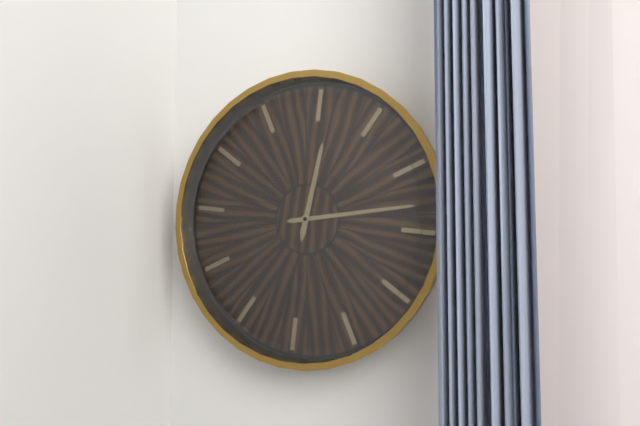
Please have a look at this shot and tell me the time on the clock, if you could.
12:13
